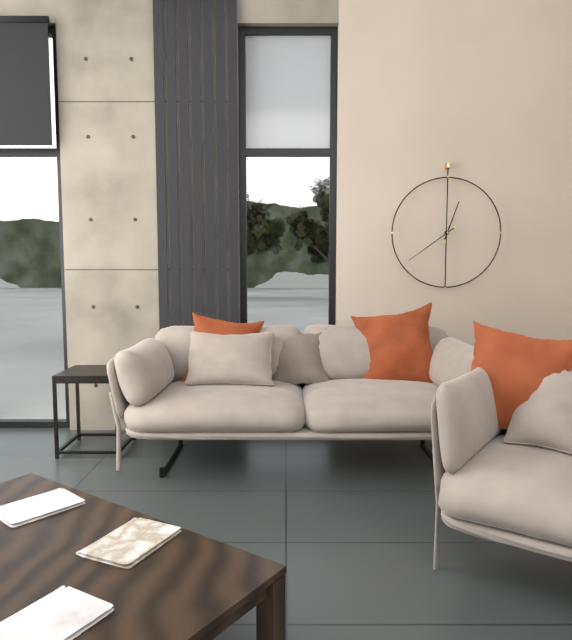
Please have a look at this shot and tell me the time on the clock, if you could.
12:39
